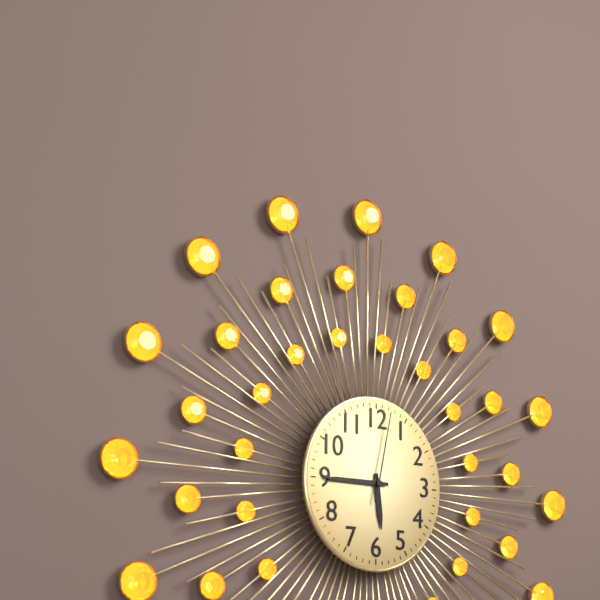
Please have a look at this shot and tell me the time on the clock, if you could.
5:45:02
